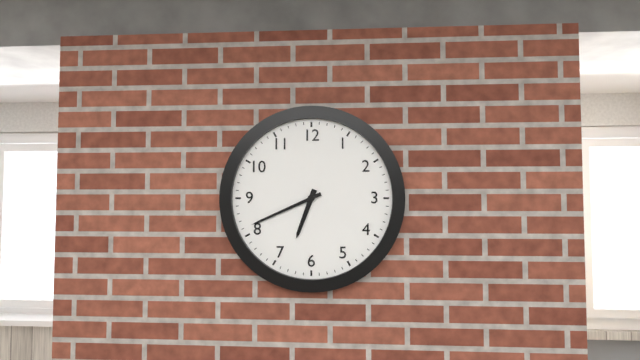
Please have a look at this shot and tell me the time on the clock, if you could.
6:41
